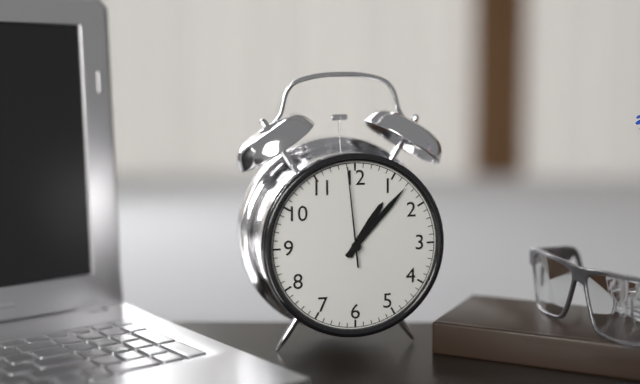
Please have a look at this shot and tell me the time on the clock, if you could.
1:07:59
